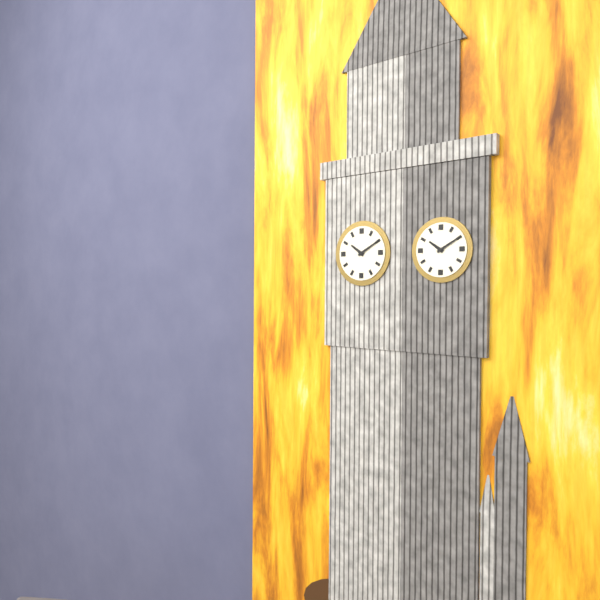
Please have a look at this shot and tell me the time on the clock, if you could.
10:10
